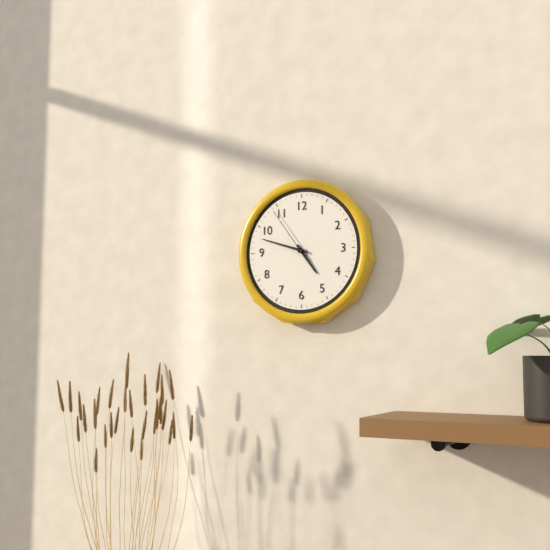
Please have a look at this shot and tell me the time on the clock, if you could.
4:48:54
